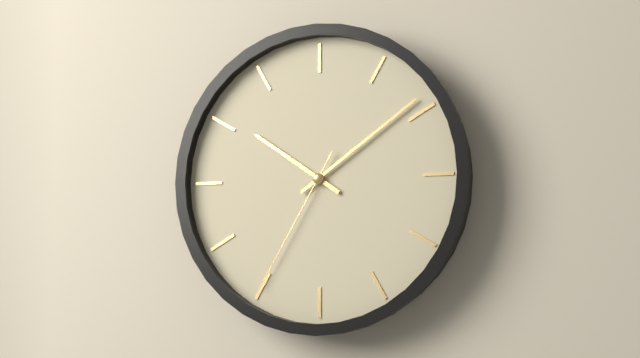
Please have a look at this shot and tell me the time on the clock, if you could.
10:09:35
